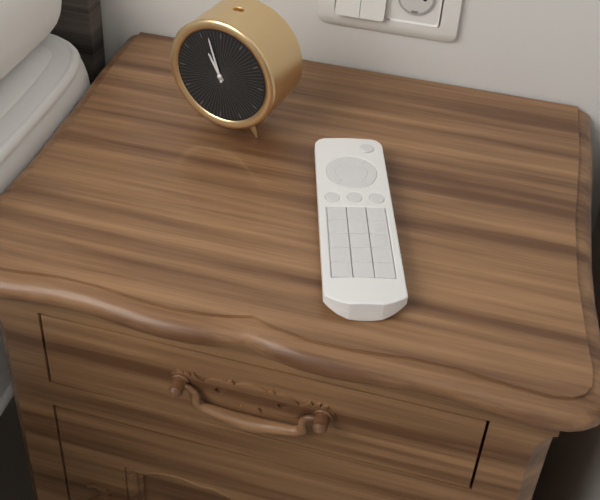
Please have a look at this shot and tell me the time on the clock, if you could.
10:57
